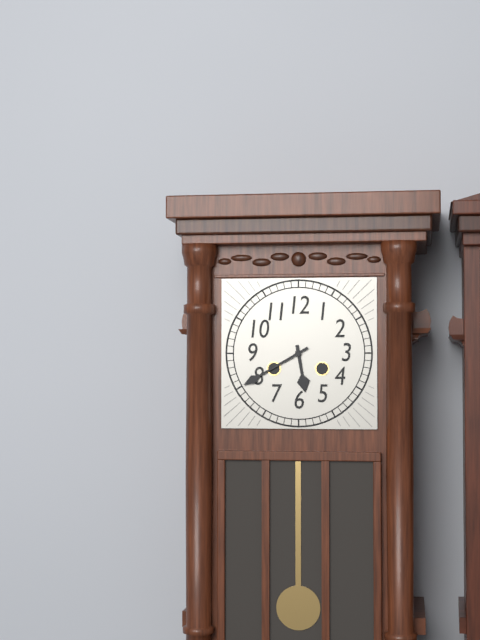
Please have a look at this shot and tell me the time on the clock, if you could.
5:40
